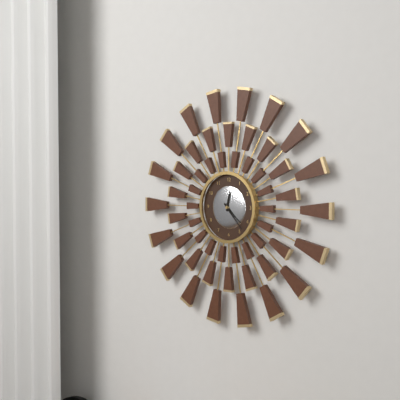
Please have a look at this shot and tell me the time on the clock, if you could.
12:23
